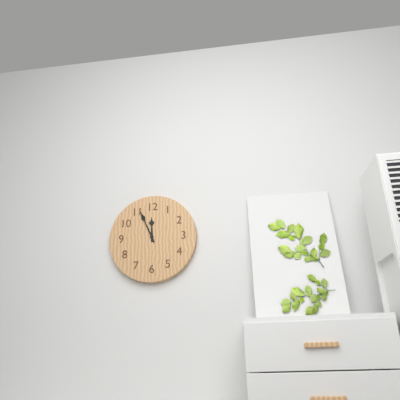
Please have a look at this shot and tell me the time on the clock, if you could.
11:56
